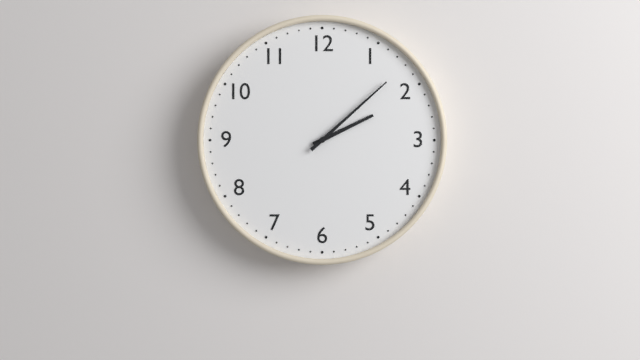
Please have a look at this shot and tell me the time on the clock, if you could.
2:08
